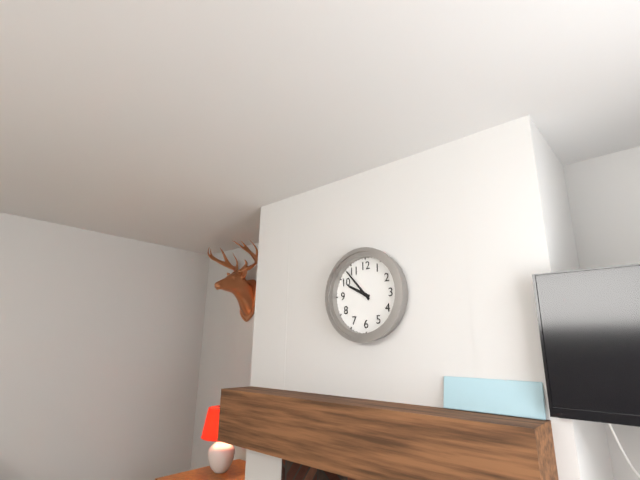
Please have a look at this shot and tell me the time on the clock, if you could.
9:53
